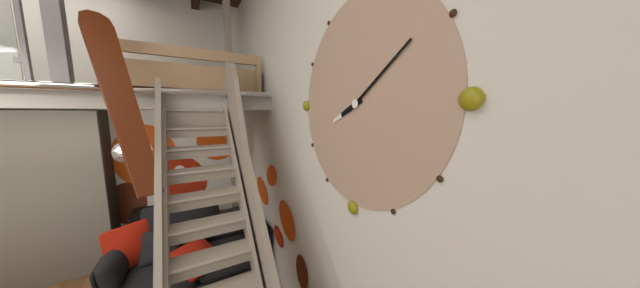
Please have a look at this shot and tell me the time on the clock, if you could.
8:09
